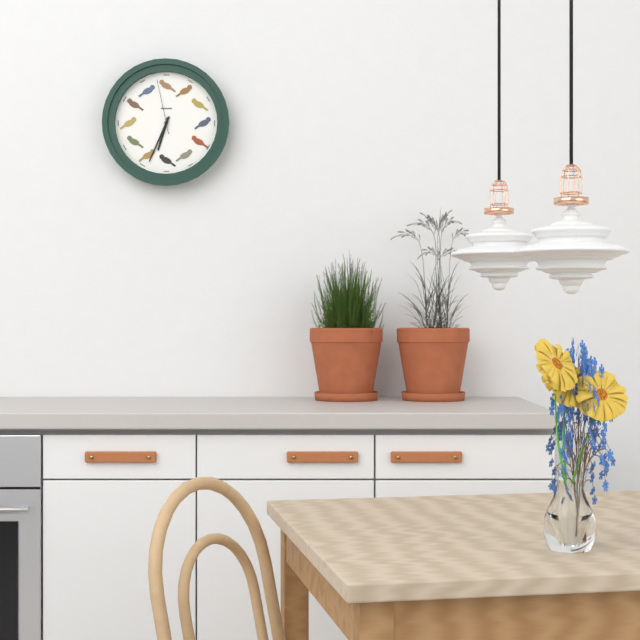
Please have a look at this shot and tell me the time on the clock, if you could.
6:34:58
